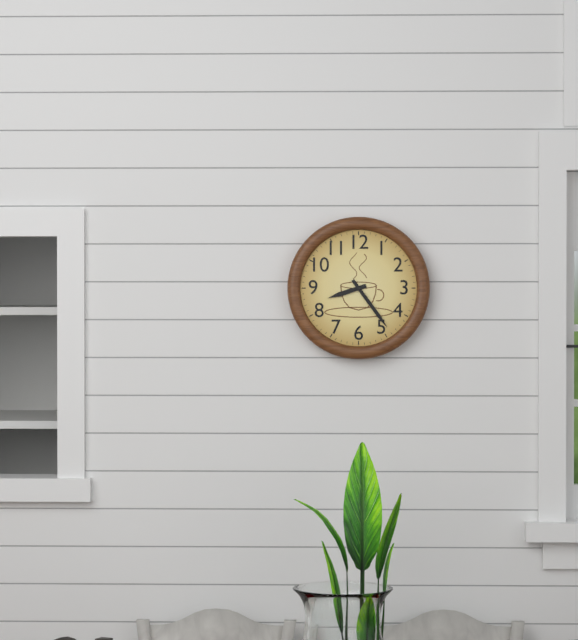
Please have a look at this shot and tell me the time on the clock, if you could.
8:24
